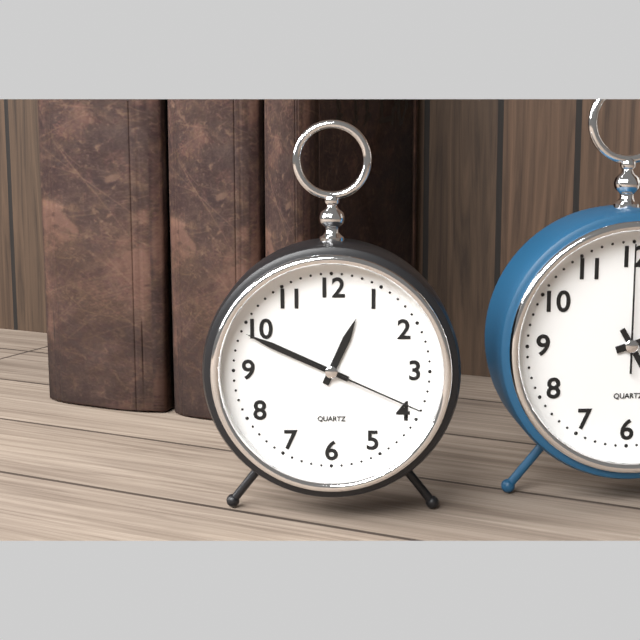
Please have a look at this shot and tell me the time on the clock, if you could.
12:49:19
